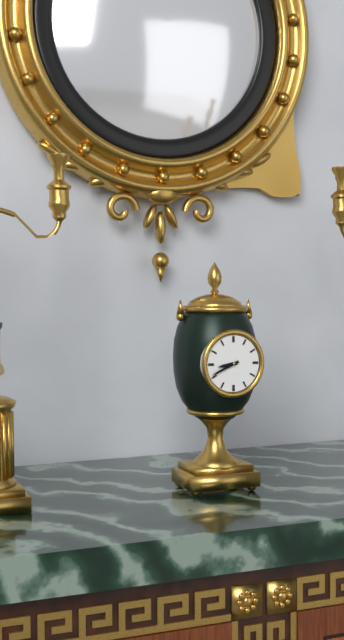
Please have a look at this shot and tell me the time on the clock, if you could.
8:41
